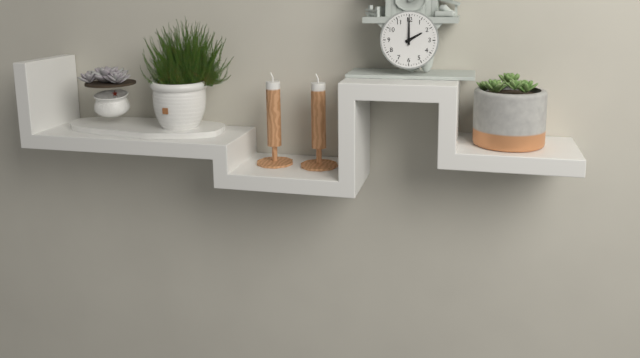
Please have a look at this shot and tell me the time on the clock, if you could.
2:00
